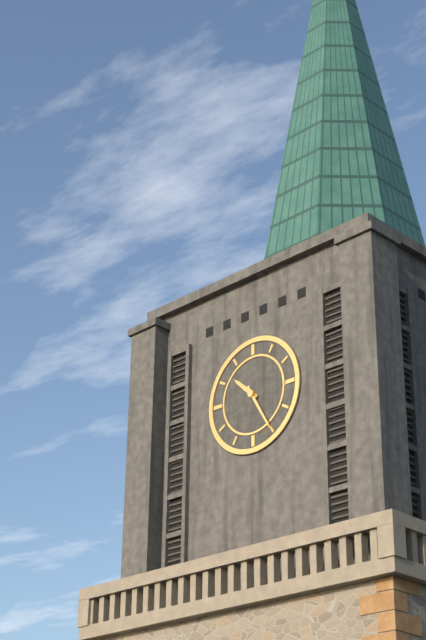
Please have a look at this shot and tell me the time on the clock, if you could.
10:25
